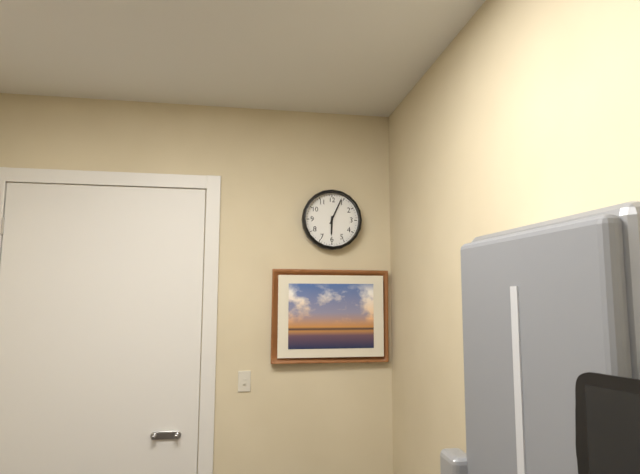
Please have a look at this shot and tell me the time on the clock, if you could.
6:04
